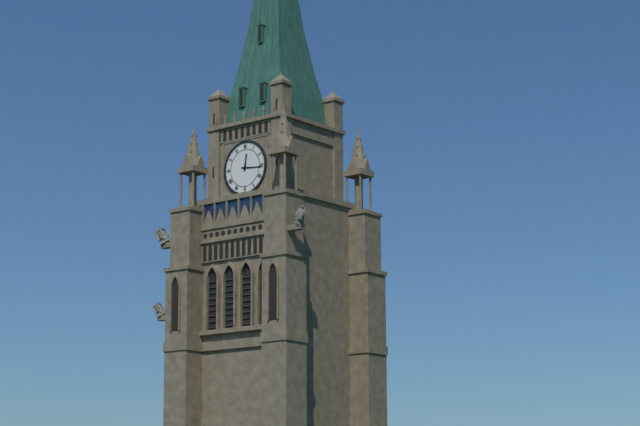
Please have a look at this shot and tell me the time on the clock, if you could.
12:16
